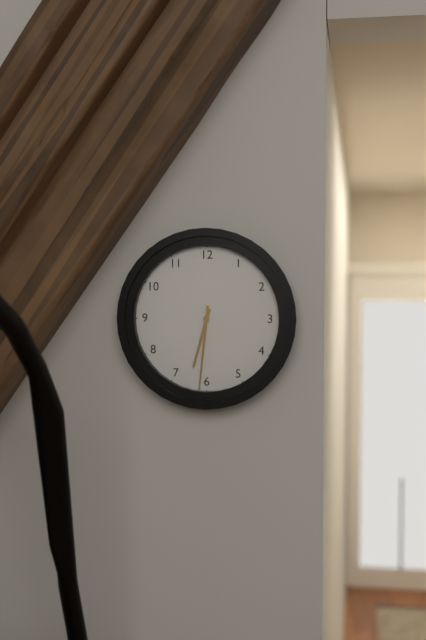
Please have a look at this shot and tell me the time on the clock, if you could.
6:31
